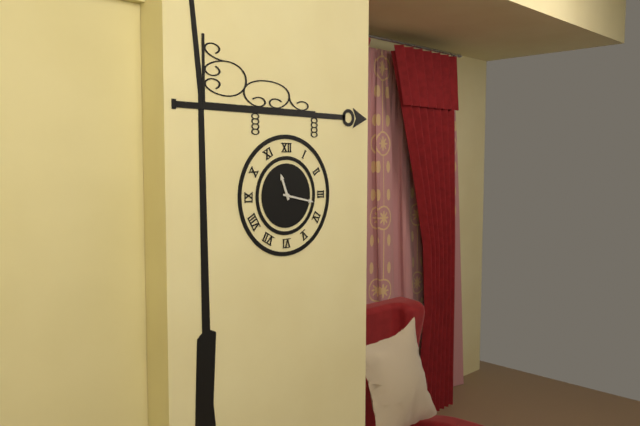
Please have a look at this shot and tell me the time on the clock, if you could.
11:17
